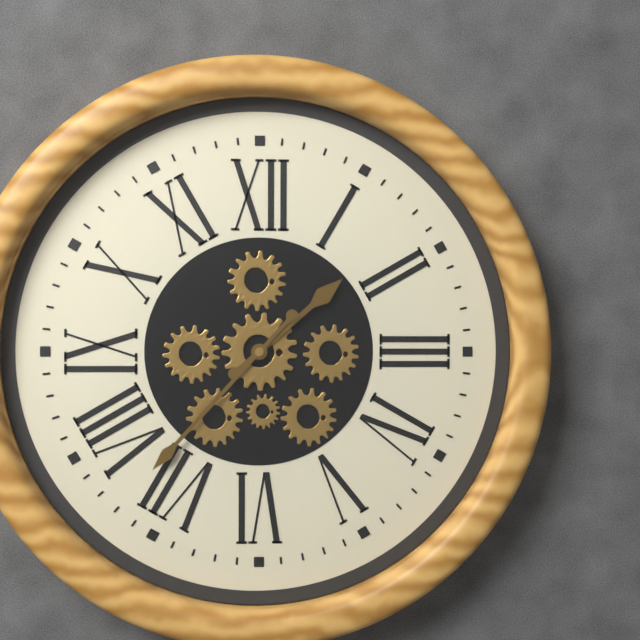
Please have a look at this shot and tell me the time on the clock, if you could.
1:37
